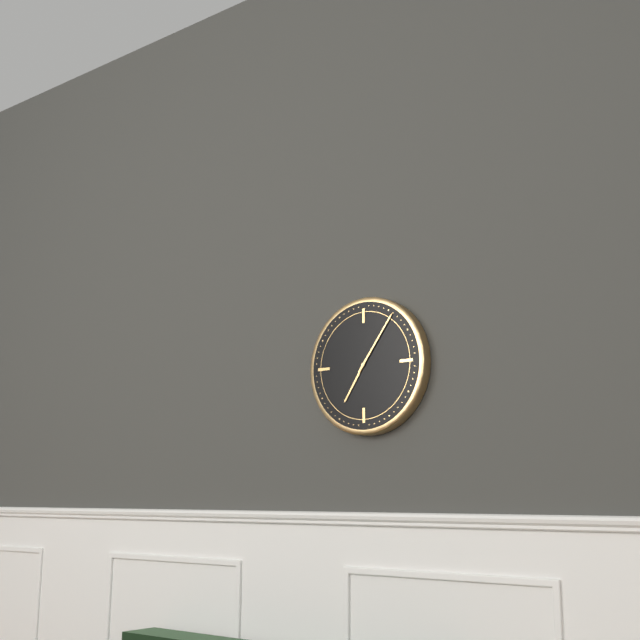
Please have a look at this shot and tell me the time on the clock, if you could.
7:06
